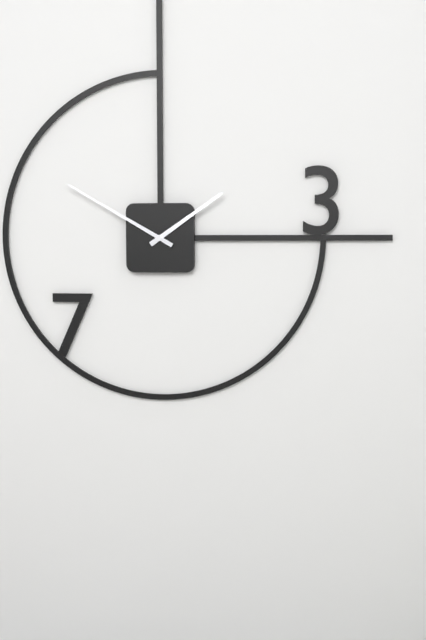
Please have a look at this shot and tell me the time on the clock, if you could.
1:50
